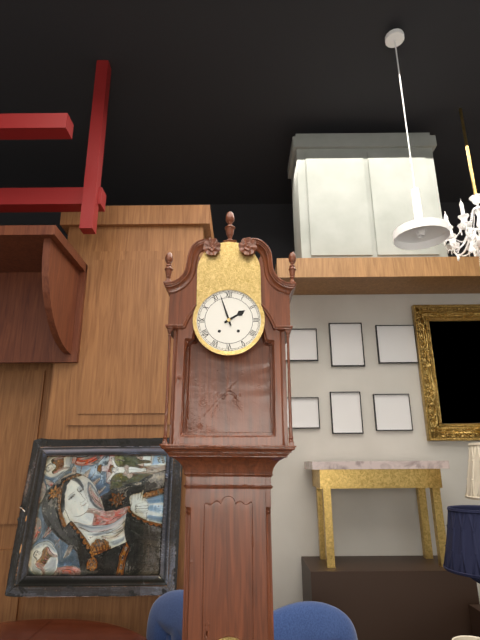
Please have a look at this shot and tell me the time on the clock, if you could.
1:57
